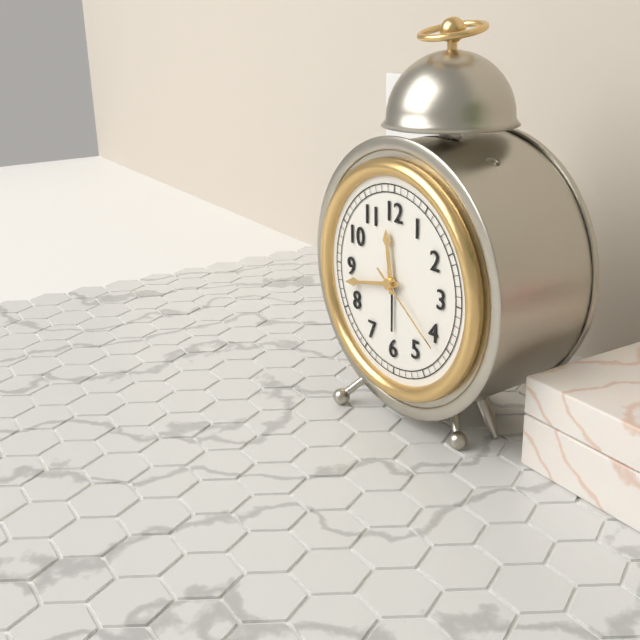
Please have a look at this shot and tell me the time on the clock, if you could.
11:43:21
